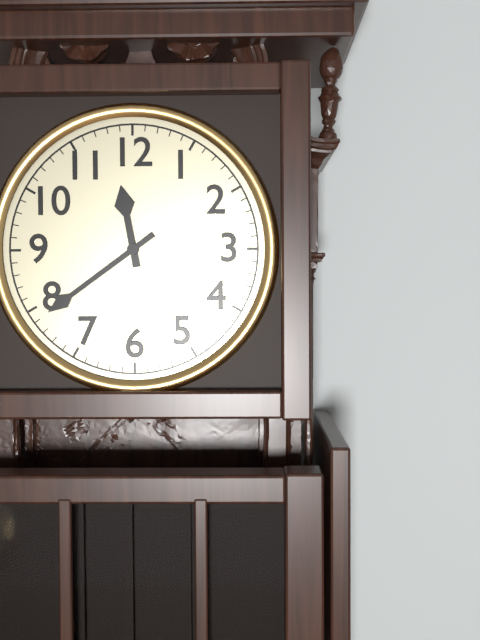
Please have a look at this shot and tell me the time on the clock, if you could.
11:39
